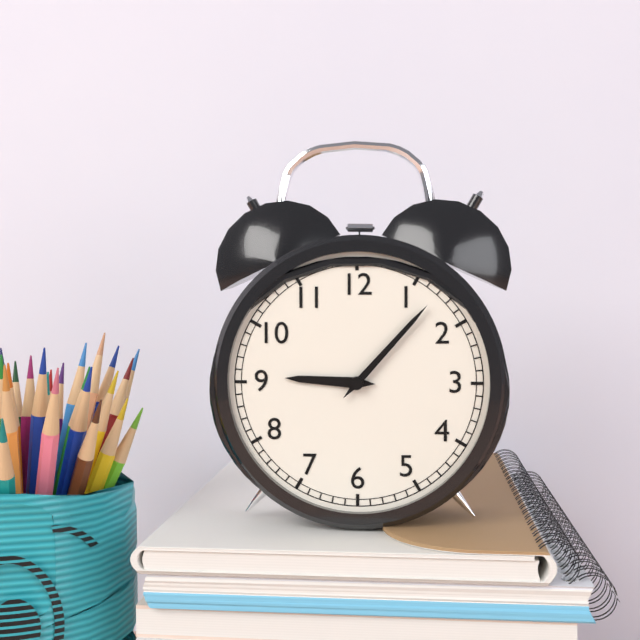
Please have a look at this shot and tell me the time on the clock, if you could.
9:07
